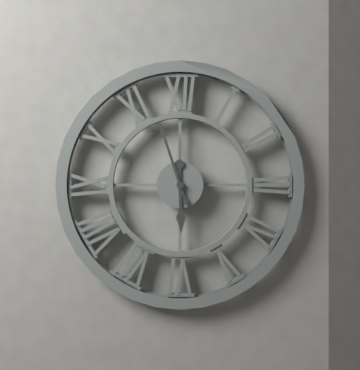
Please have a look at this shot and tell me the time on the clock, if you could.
5:57
